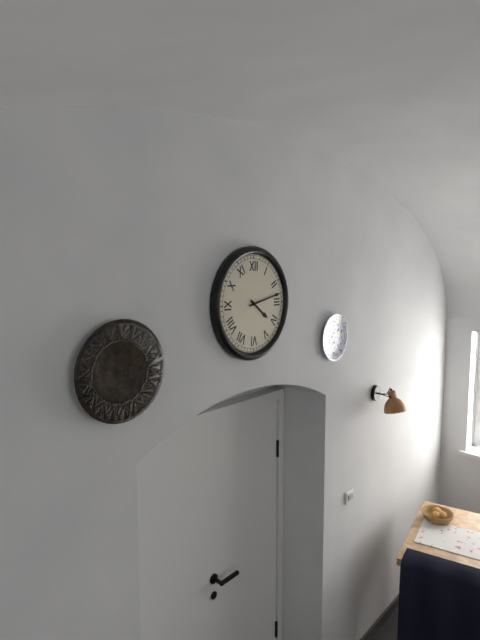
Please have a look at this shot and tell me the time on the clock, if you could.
4:13
